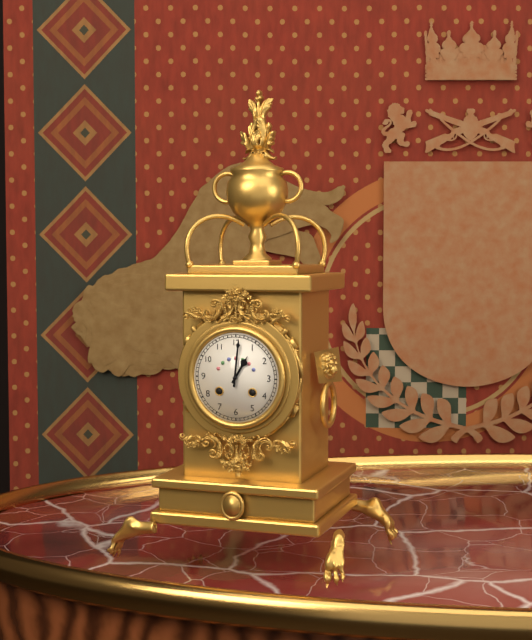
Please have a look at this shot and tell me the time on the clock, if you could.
1:01
